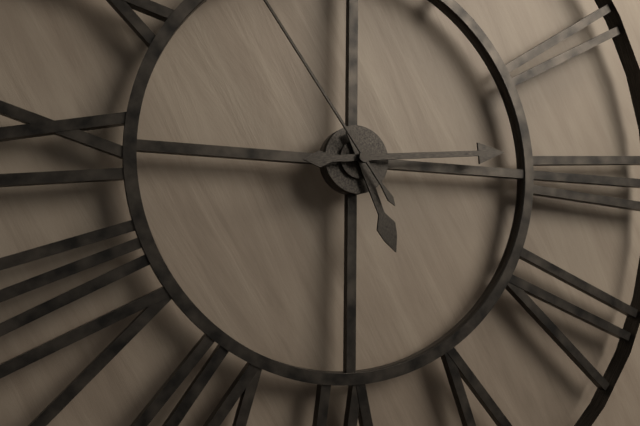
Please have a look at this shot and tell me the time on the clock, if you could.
5:14
